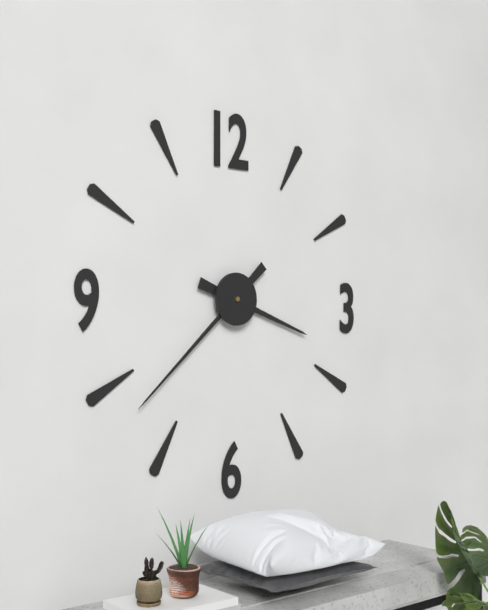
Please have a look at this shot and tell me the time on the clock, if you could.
3:38
